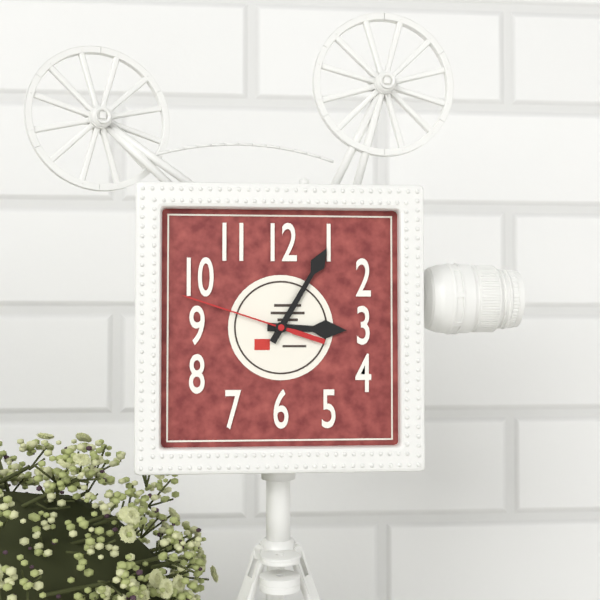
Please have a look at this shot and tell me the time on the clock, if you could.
3:05:48
